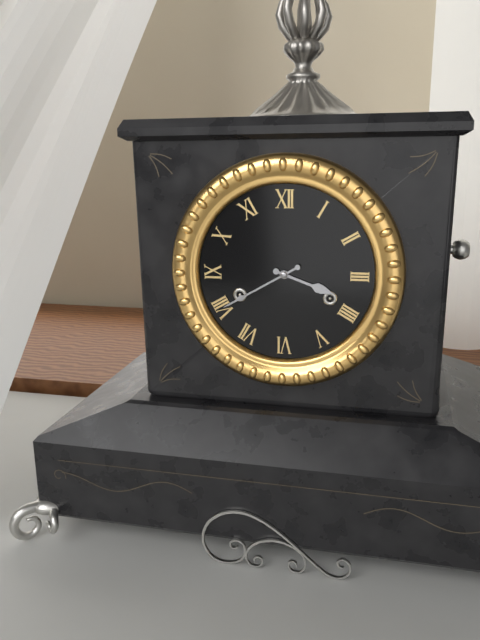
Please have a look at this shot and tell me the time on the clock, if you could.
3:40
